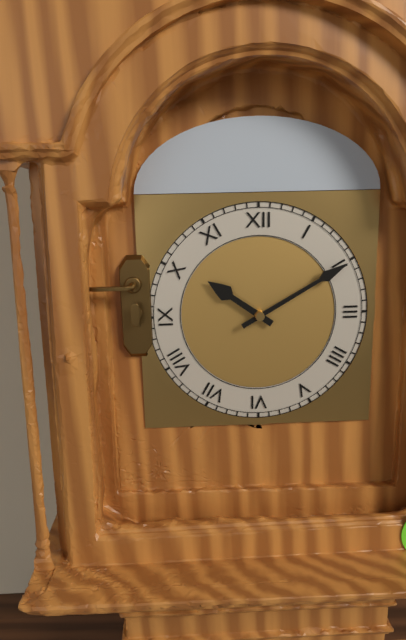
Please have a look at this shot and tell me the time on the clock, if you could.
10:10
